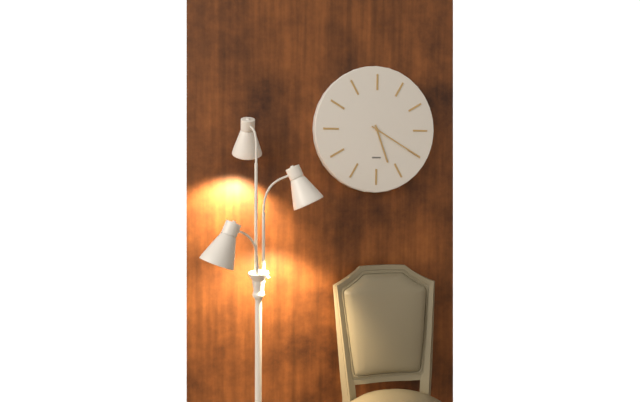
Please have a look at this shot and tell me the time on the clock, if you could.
5:20
